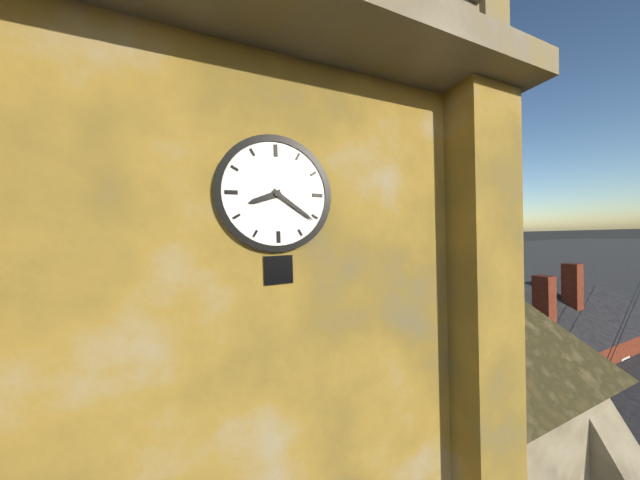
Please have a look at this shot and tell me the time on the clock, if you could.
8:21
